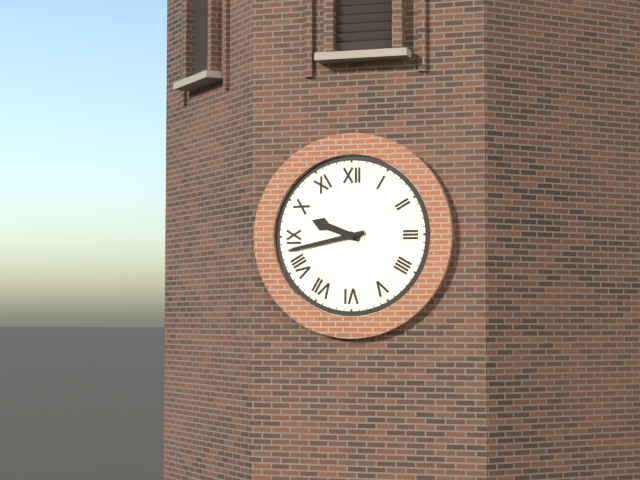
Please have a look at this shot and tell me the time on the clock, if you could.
9:43
